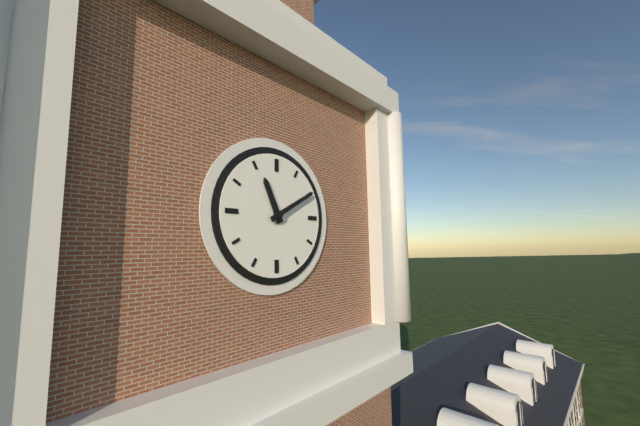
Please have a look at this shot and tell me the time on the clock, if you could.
11:10
